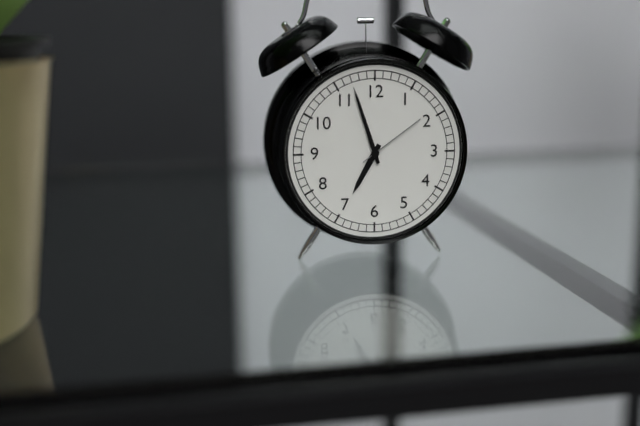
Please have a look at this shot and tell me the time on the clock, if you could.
6:57:09
